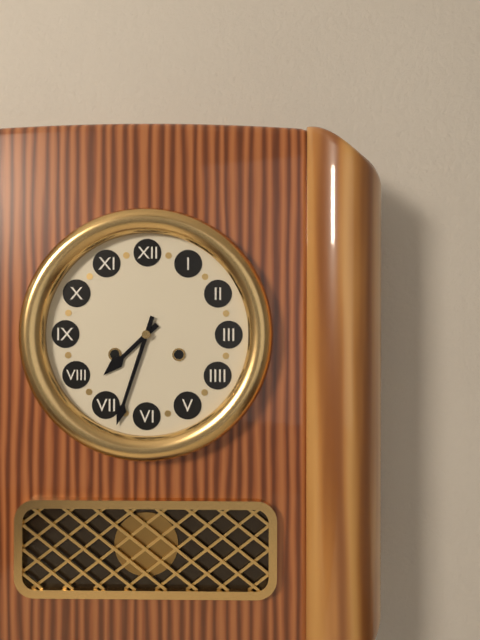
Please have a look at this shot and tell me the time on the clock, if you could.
7:33
